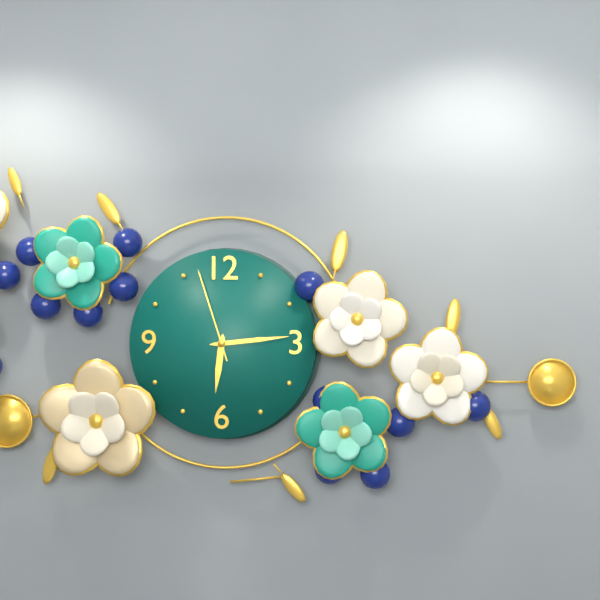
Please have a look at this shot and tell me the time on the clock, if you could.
6:14:57
